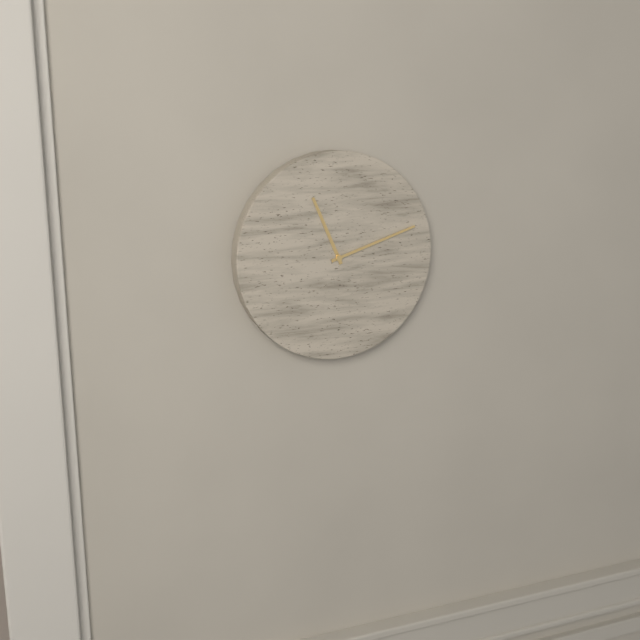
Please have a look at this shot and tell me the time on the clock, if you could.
11:12
